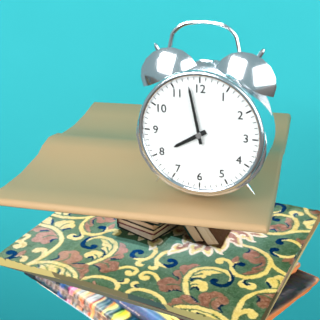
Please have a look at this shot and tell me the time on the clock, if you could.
7:58
